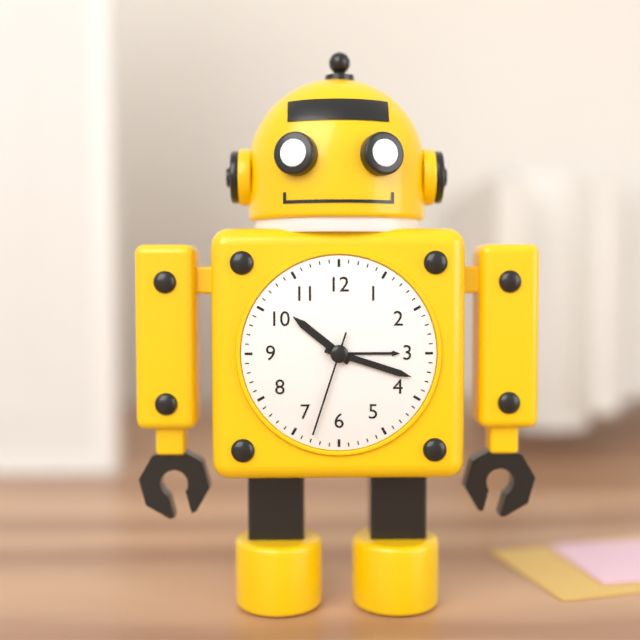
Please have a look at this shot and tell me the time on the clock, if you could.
10:18:33
